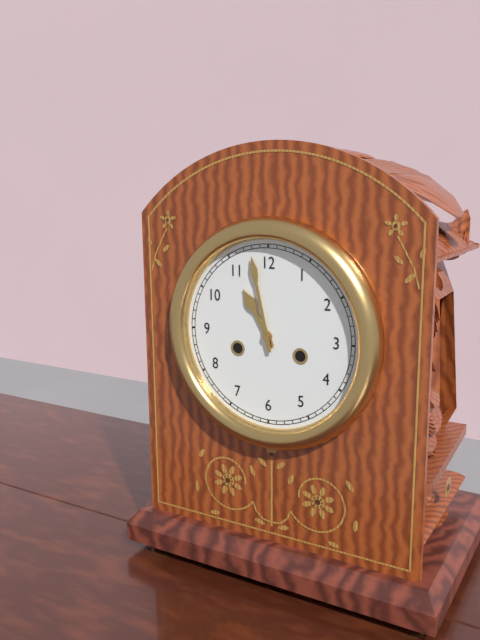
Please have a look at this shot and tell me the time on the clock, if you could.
10:58
